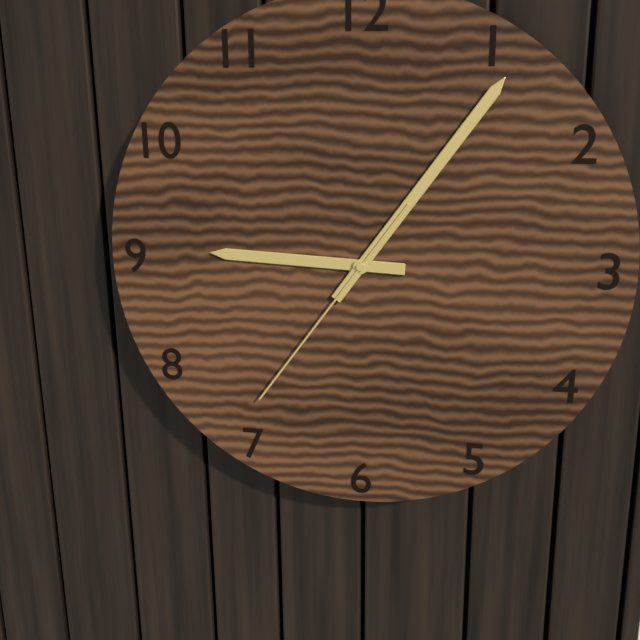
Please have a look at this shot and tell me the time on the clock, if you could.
9:06:36
